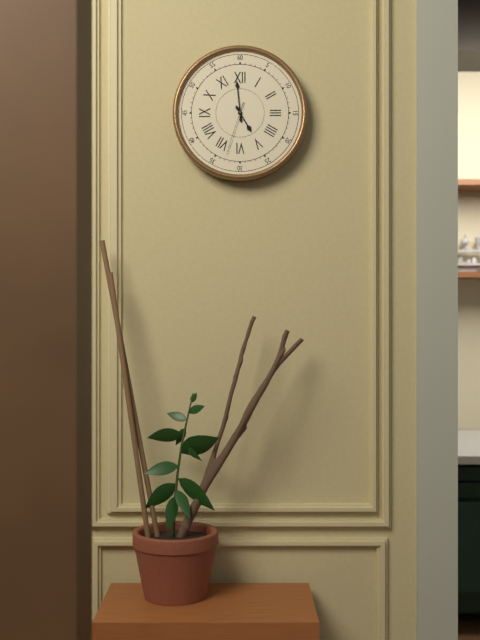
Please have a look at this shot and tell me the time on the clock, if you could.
4:59:33
